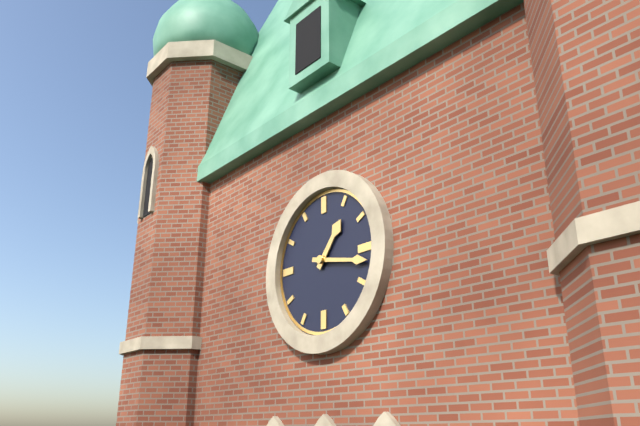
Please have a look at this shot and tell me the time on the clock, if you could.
1:17
